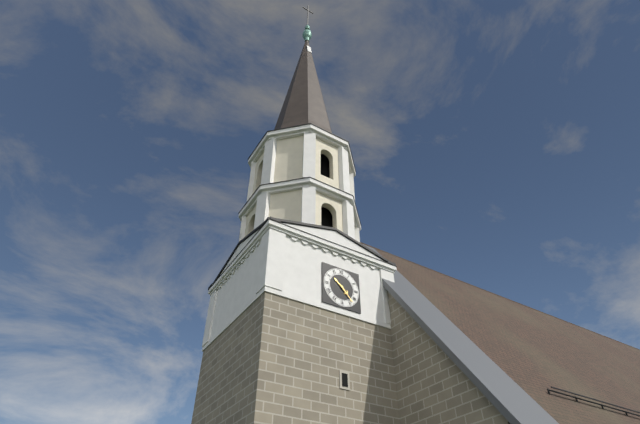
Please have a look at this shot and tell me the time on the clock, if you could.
10:23
